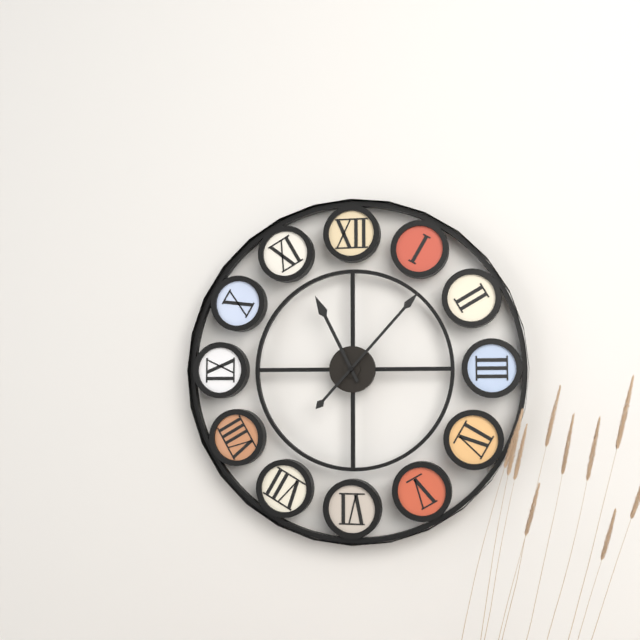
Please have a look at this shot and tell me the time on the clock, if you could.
11:07
